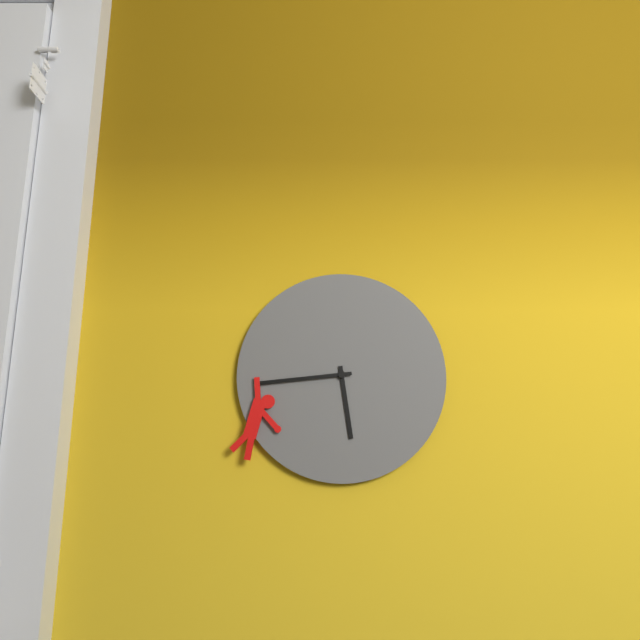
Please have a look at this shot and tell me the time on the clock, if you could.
5:44
